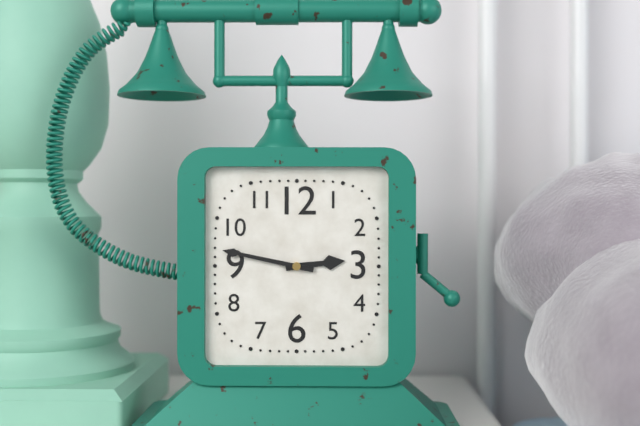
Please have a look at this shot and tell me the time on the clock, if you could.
2:47
